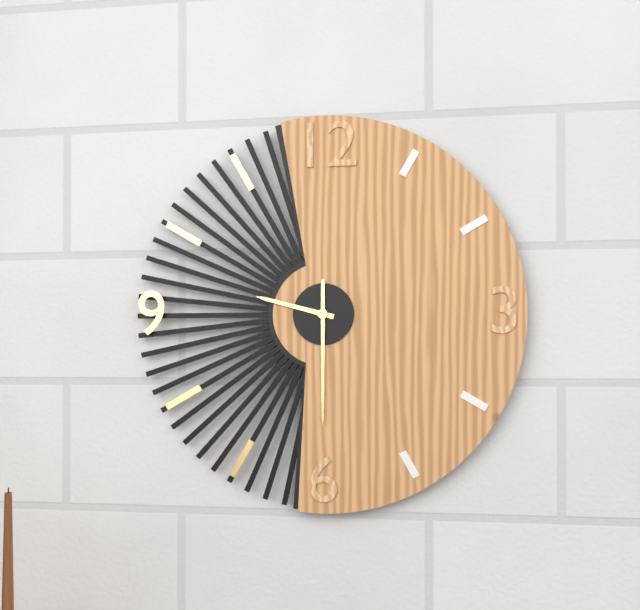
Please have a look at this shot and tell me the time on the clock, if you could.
9:30
